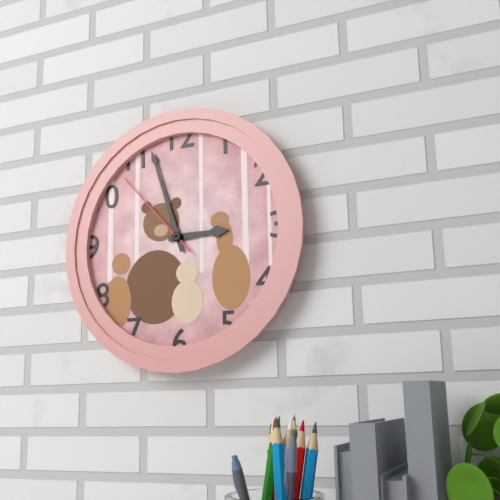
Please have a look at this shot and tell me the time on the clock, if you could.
2:57:53
